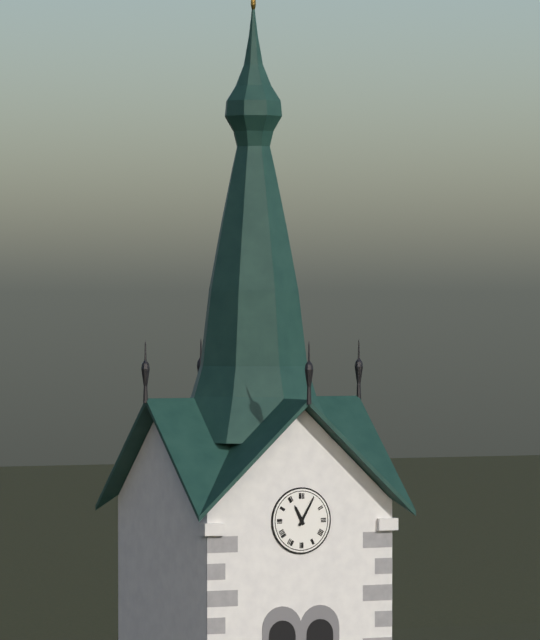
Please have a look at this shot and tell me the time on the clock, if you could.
11:05
